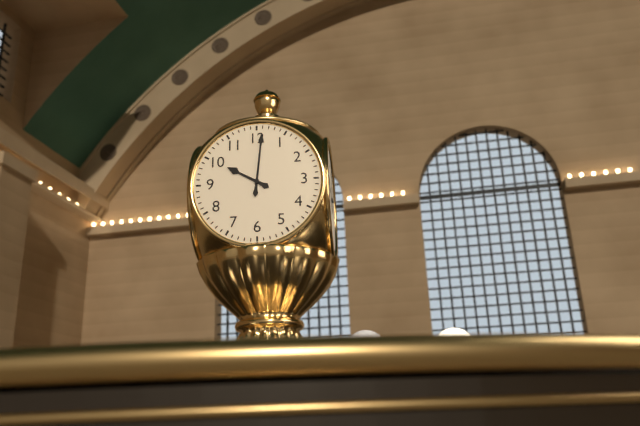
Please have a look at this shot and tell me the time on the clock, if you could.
10:01
